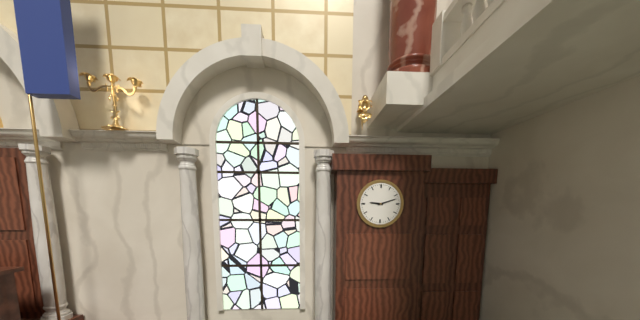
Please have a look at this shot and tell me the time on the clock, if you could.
9:12
